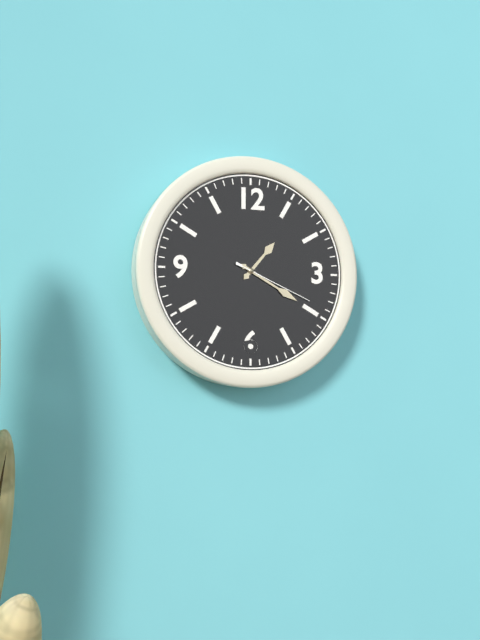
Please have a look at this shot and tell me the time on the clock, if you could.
1:20:19
